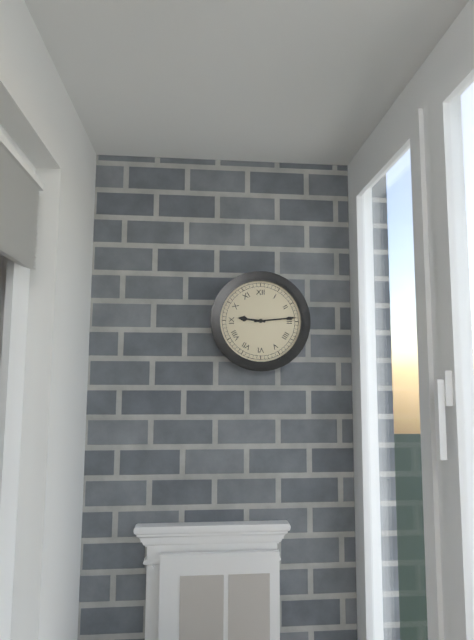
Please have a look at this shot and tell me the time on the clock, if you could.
9:14
